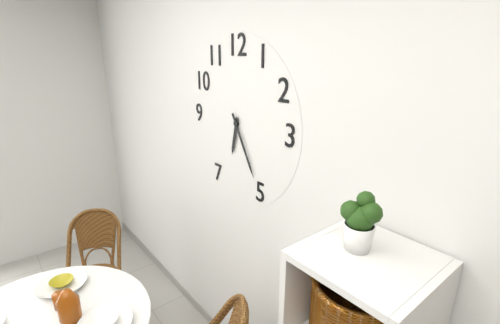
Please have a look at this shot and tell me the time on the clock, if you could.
6:25
